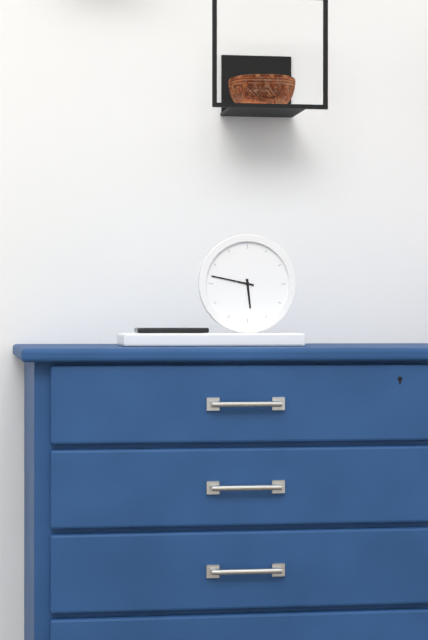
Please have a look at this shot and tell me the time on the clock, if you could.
5:47
